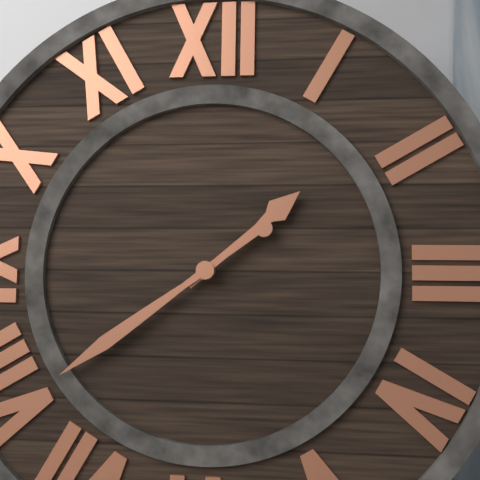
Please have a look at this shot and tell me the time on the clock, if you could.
1:39
